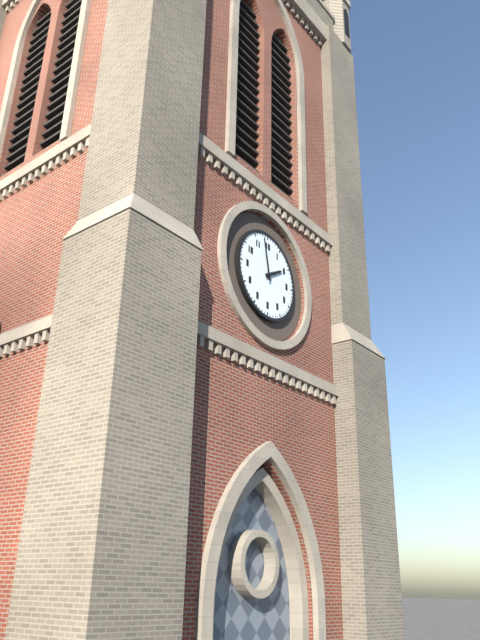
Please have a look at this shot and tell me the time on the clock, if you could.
1:58
